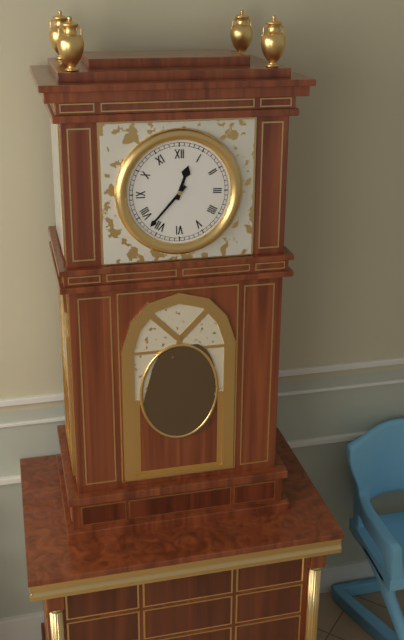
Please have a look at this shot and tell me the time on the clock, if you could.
12:37
